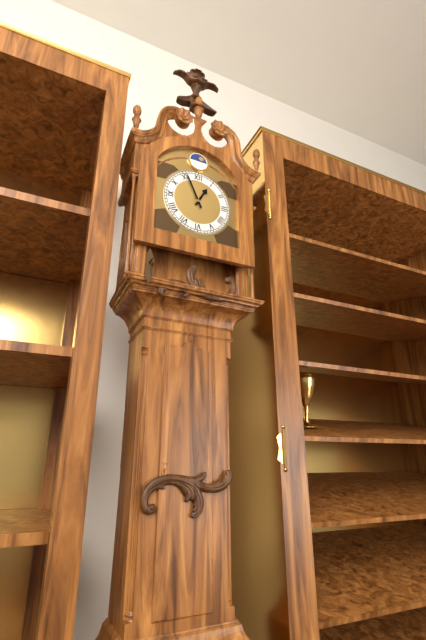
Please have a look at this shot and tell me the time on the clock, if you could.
12:56
